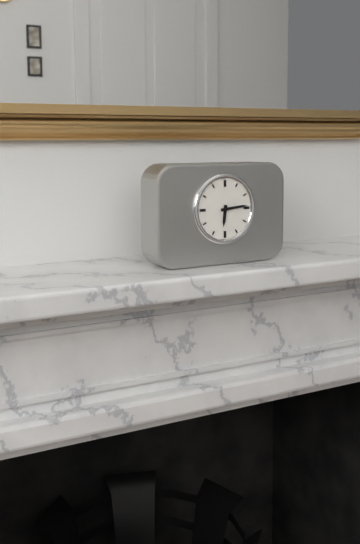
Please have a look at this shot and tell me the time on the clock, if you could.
6:14
